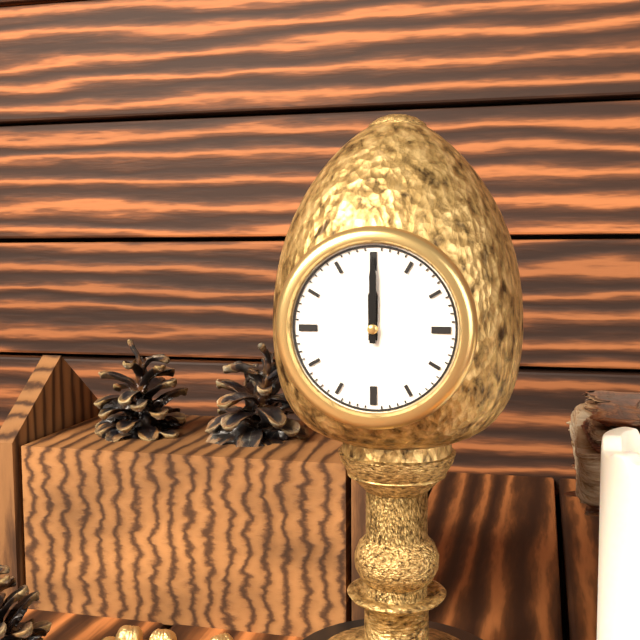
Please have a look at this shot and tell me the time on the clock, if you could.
12:00
